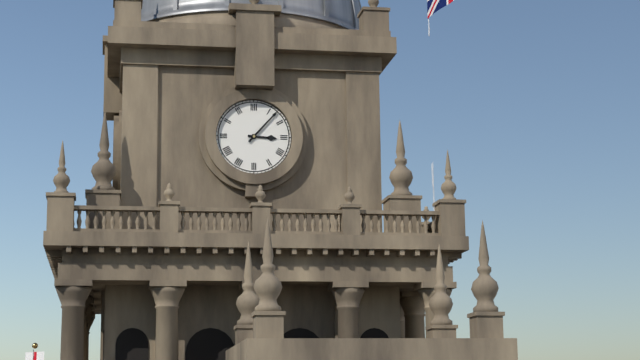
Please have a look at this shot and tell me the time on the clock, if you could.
3:07
